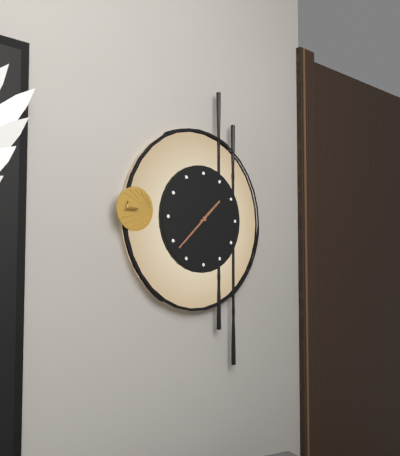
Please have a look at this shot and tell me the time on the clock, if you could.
1:38
